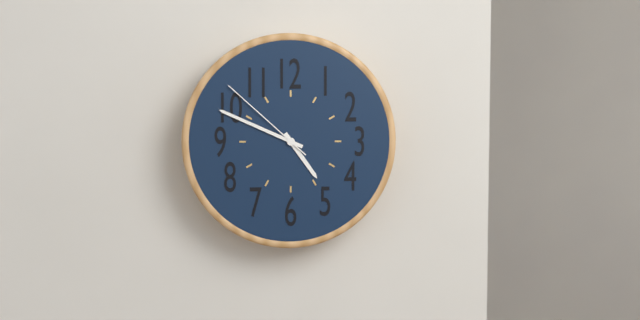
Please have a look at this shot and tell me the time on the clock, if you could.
4:49:52
